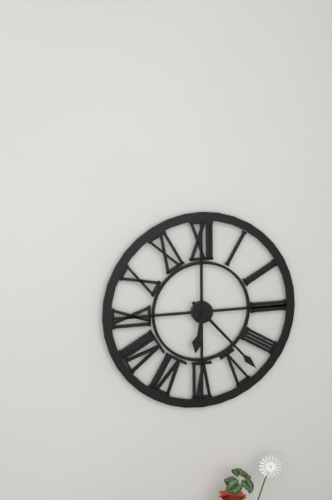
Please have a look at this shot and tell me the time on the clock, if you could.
6:23
